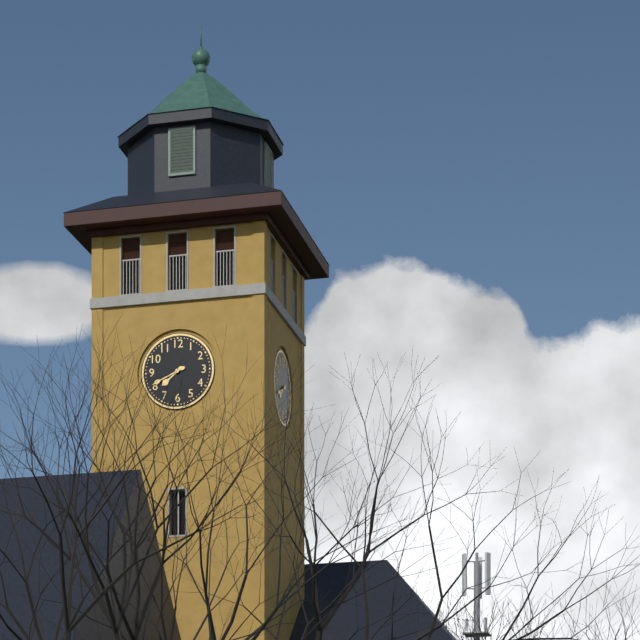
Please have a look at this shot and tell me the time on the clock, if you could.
7:41
